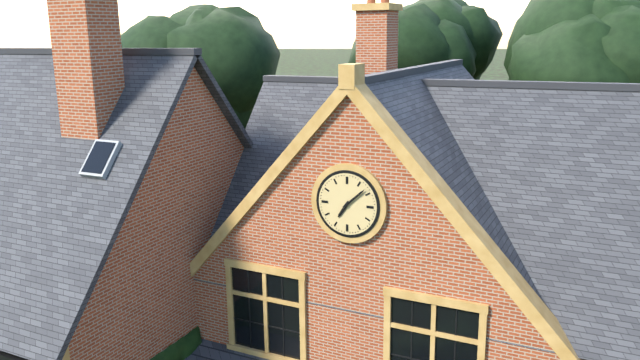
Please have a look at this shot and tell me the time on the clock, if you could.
7:08
